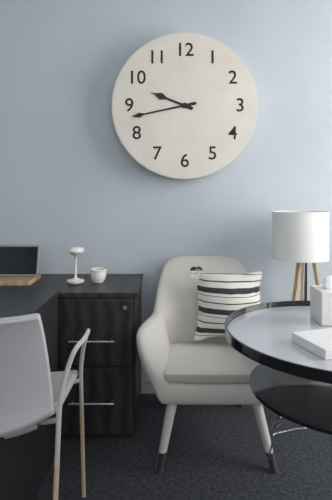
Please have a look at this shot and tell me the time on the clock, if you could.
9:43
